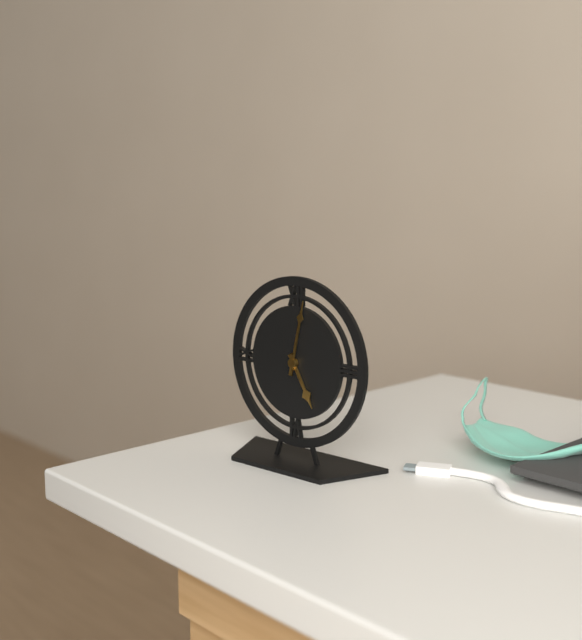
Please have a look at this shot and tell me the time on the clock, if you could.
5:02
